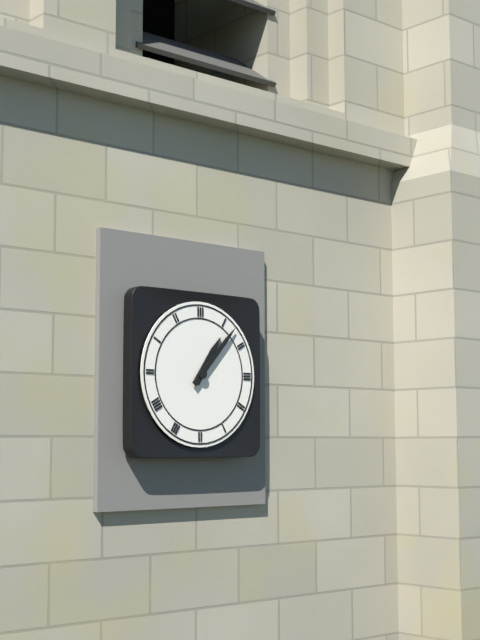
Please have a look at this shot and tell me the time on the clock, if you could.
1:07
